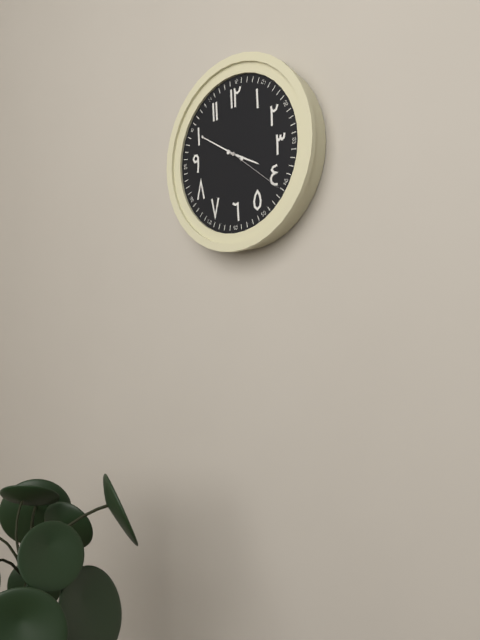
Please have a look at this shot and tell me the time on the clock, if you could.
3:50:21
